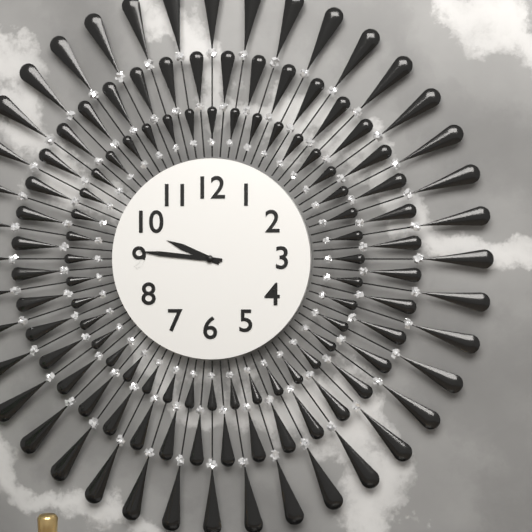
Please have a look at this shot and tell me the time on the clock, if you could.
9:46
